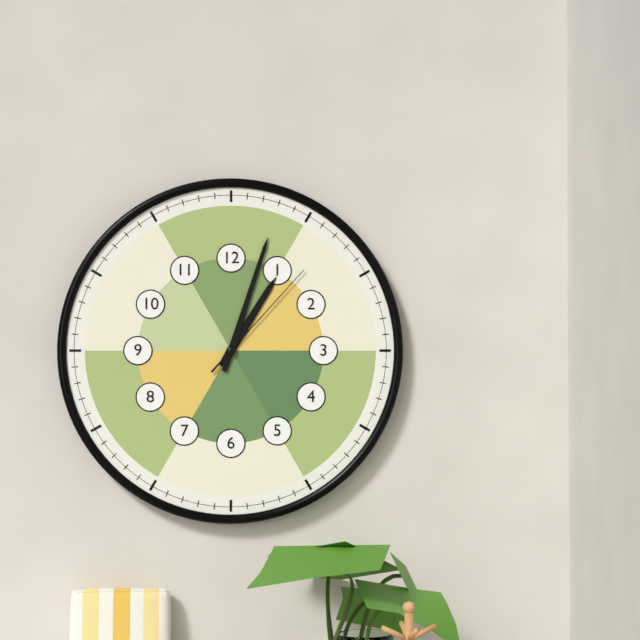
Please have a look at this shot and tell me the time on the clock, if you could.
1:03:07
